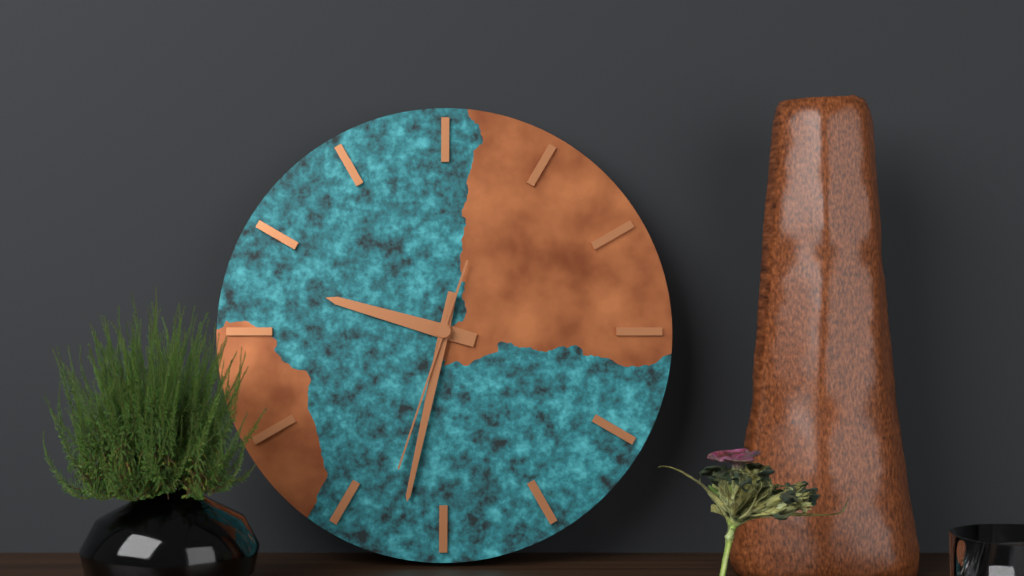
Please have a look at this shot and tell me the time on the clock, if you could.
9:32:33
